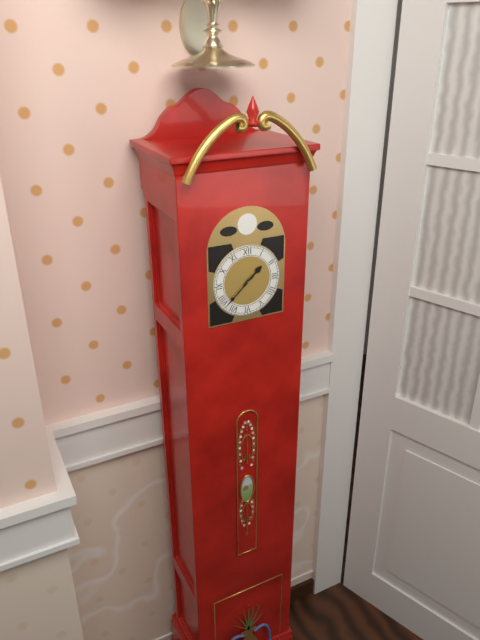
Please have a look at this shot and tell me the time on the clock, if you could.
1:38
